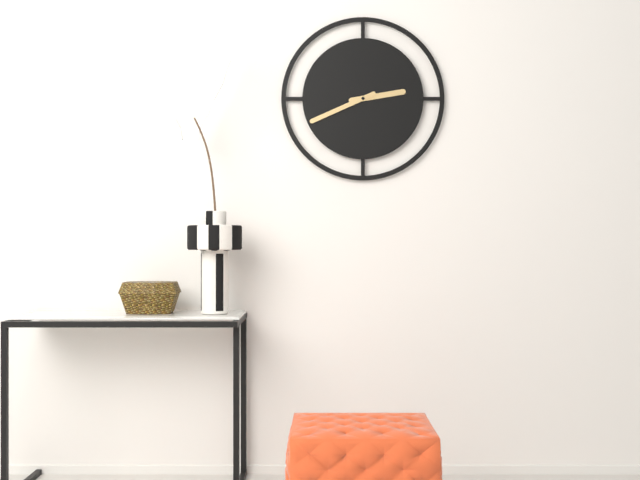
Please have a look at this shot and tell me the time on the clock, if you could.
2:41
